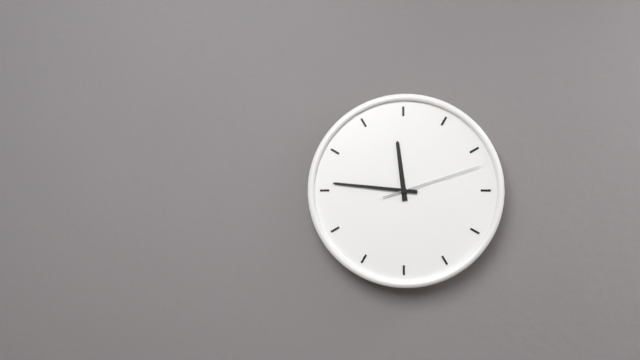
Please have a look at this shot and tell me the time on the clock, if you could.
11:46:12
